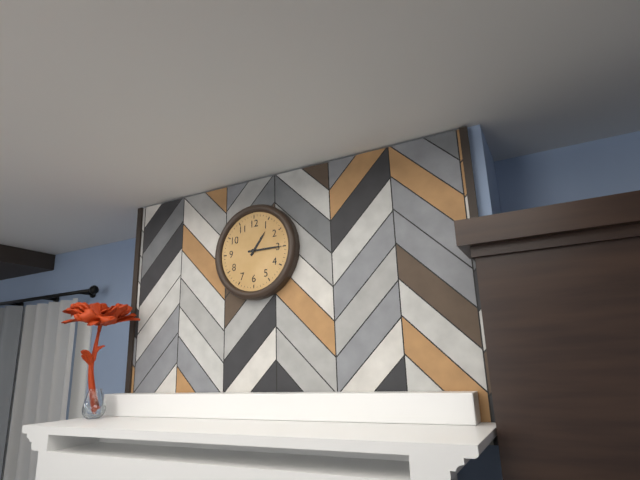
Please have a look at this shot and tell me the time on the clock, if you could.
1:15
